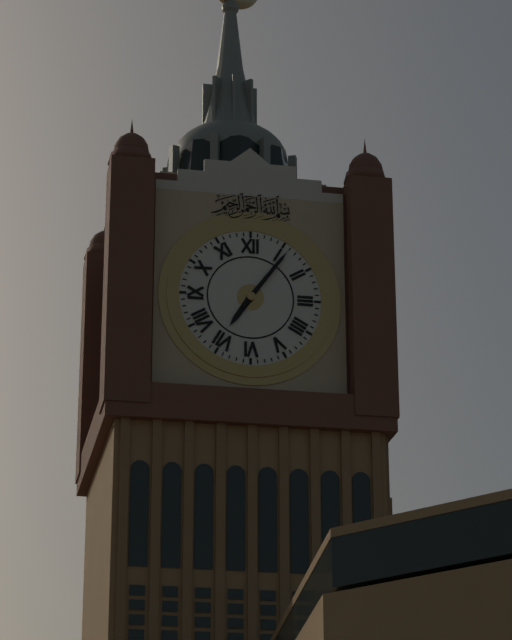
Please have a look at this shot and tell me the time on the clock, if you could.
7:06
